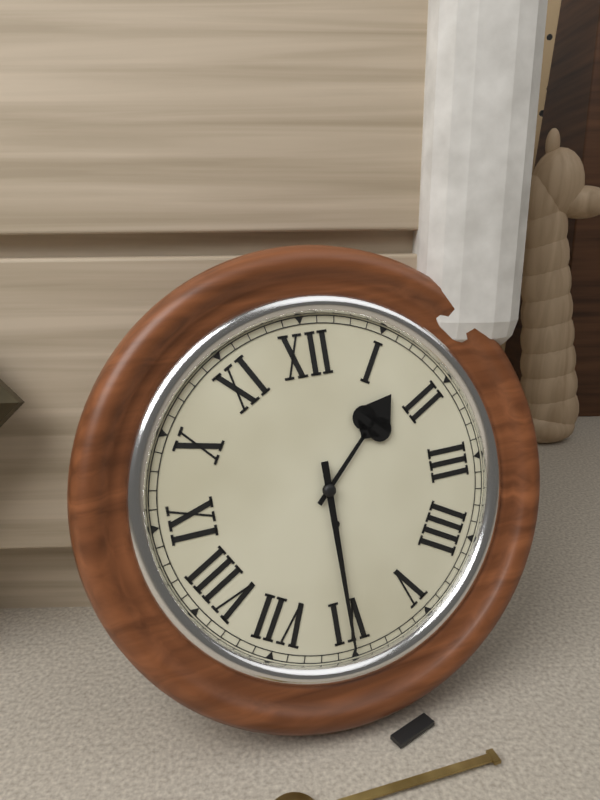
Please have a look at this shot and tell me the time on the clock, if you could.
1:30
